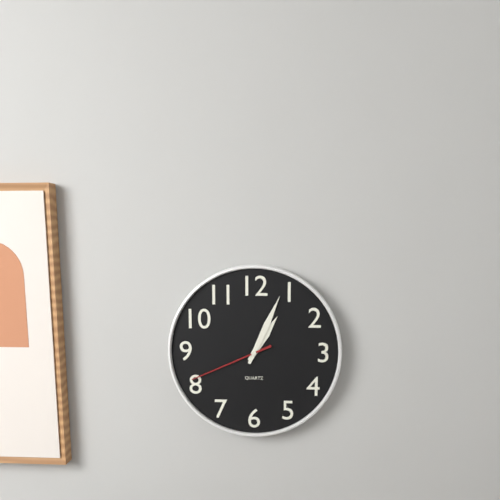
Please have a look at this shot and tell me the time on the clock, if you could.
1:04:41
